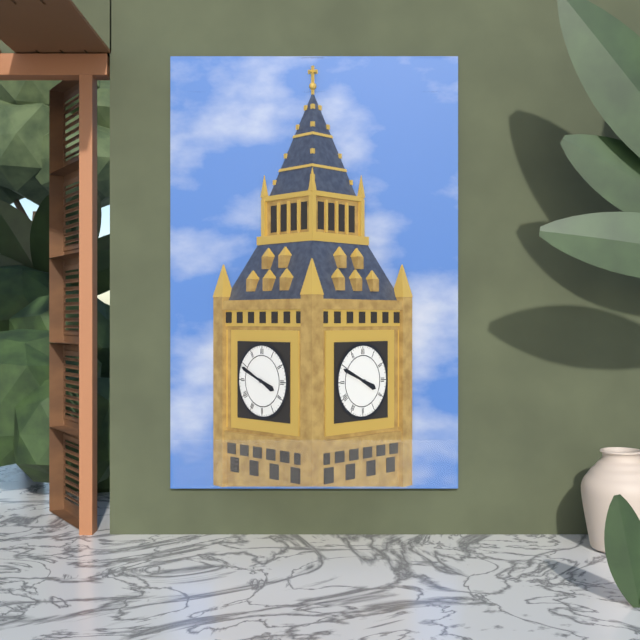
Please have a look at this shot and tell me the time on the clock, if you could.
3:49
